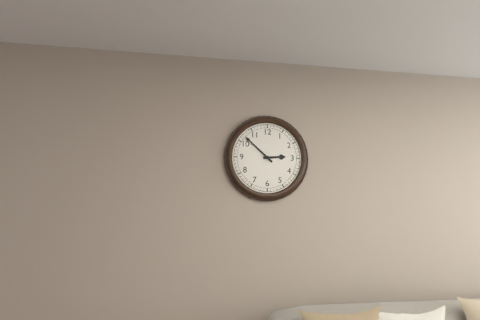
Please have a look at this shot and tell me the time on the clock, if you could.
2:52
